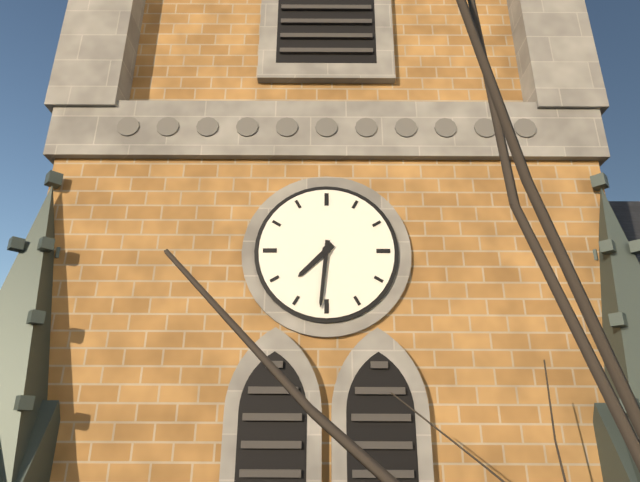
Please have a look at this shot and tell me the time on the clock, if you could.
7:31
